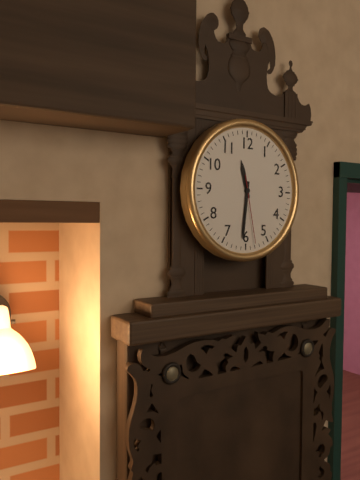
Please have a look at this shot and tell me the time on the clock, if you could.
11:31:28
